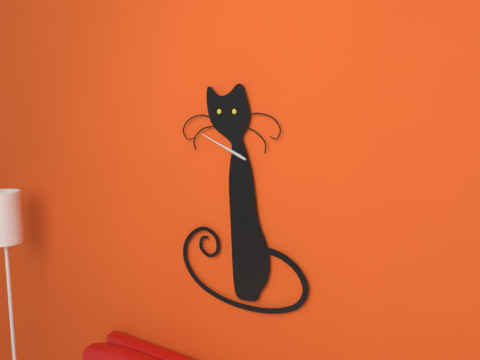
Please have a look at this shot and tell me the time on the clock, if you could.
9:49
